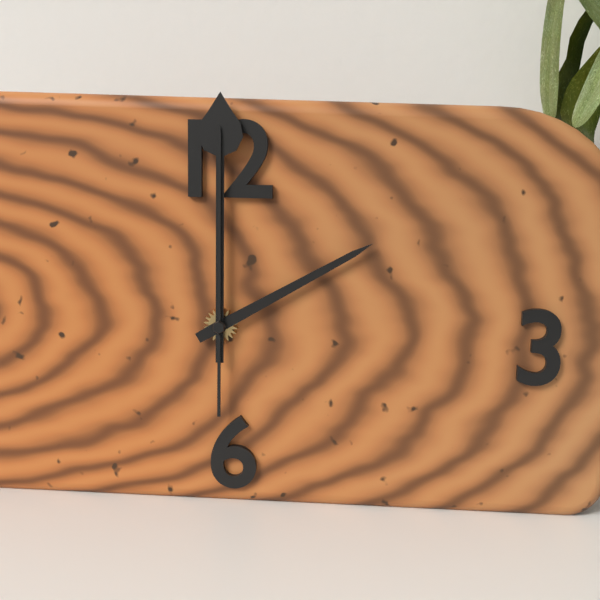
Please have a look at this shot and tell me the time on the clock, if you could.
2:00:00
